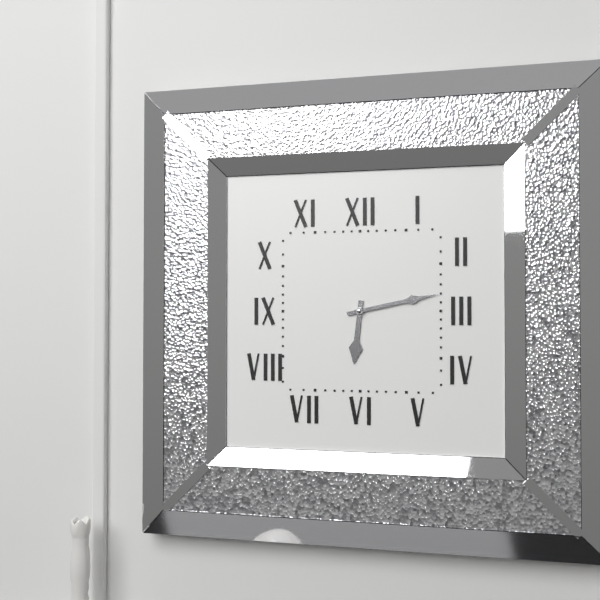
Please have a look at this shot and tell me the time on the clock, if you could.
6:13
